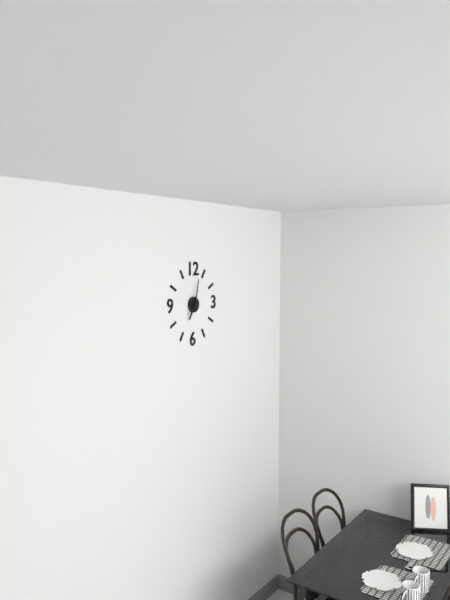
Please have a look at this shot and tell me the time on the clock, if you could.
7:02
